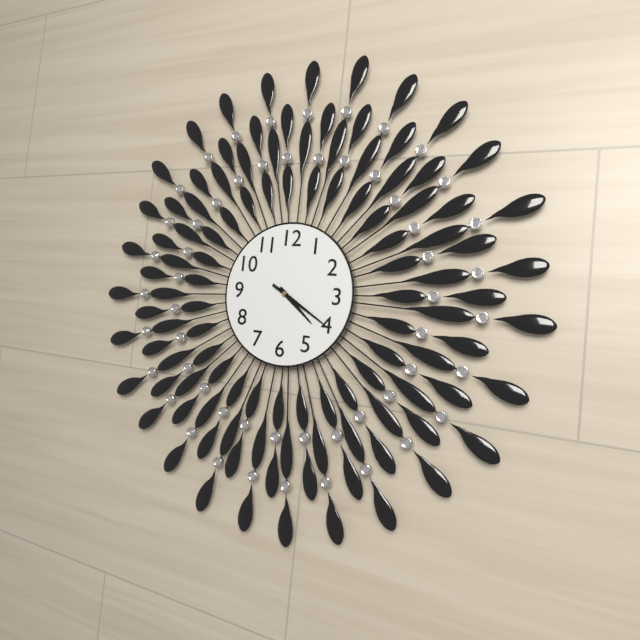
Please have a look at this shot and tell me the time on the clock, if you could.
4:20:20
